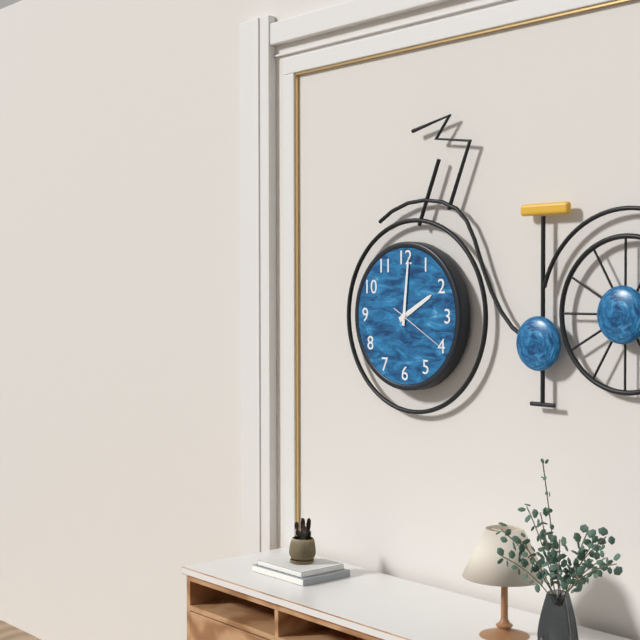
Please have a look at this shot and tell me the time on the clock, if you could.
2:01:20
